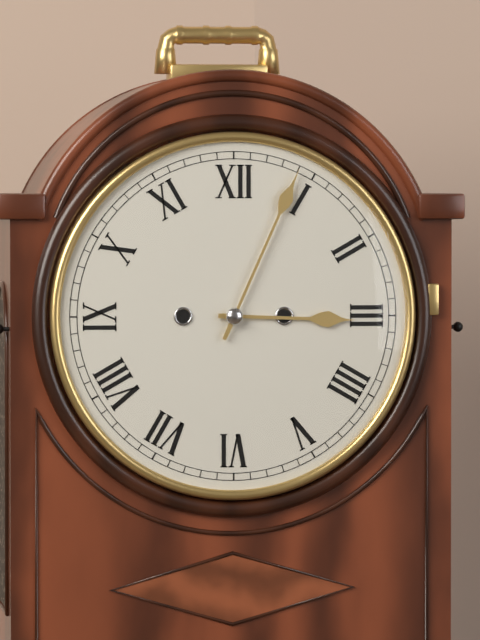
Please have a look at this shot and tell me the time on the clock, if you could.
3:04
